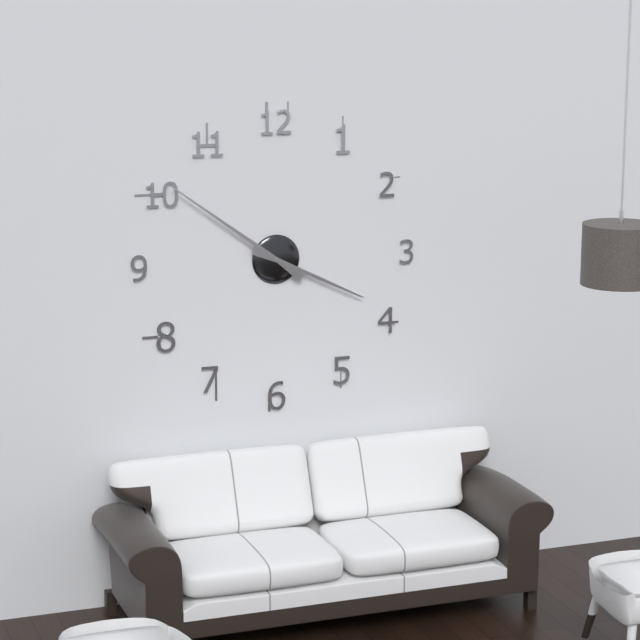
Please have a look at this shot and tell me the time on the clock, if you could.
3:51
